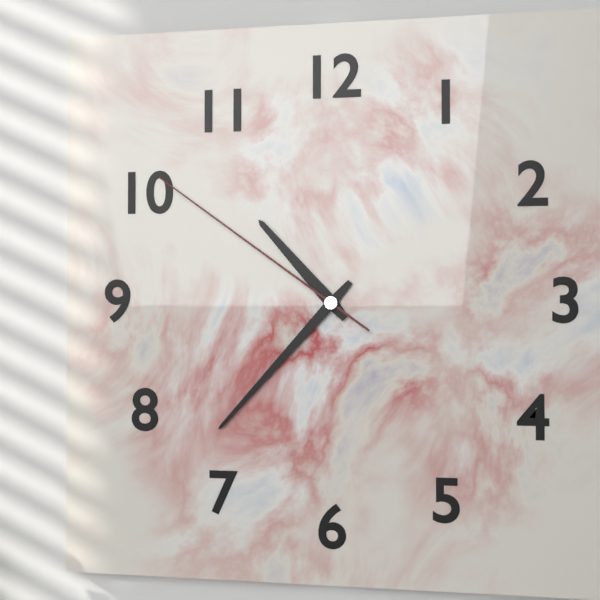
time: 10:37:51
